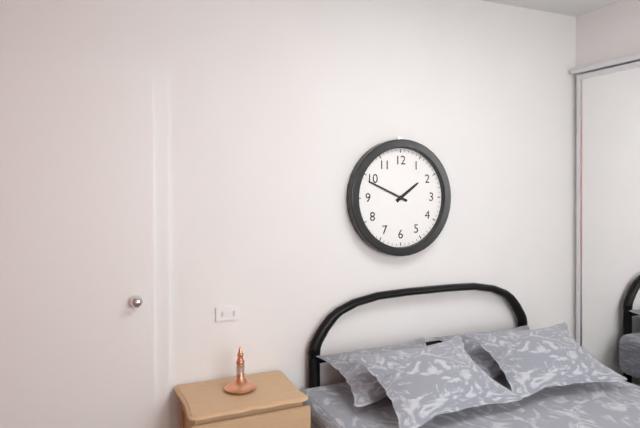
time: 1:49
